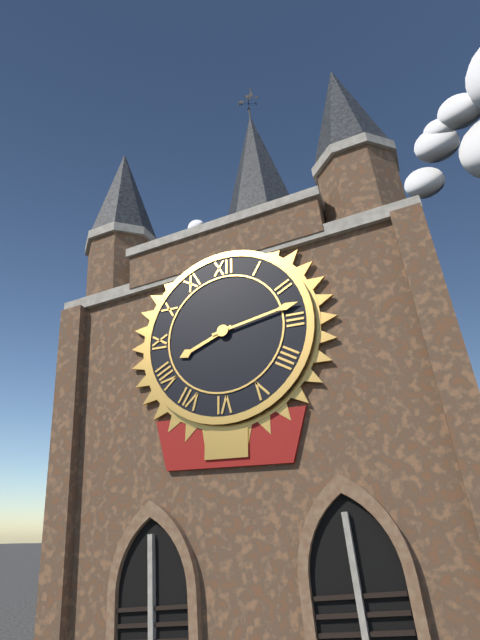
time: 8:13
